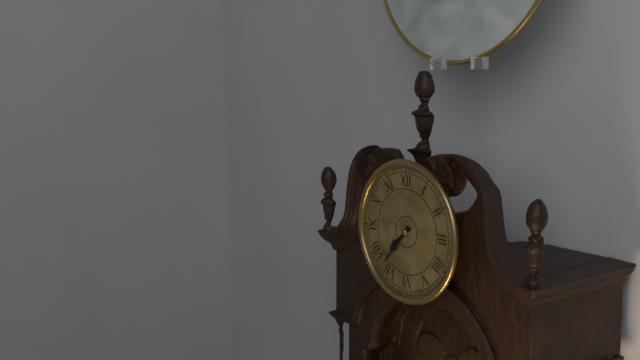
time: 7:37
